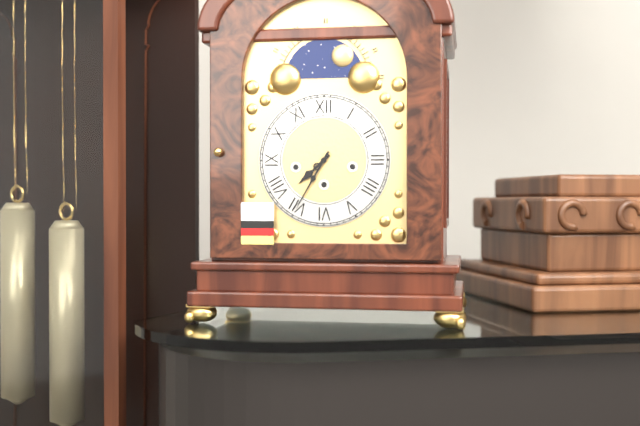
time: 7:35
